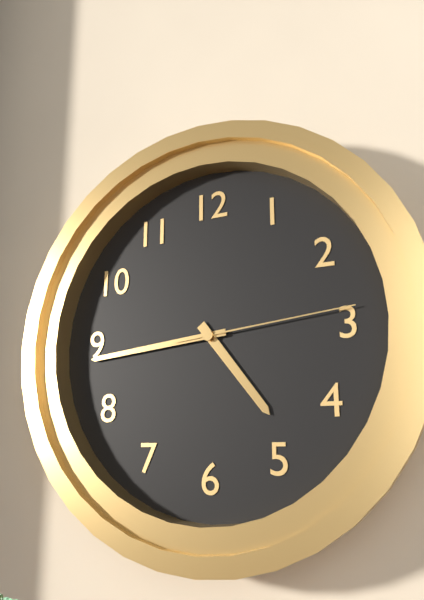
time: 4:44:14
